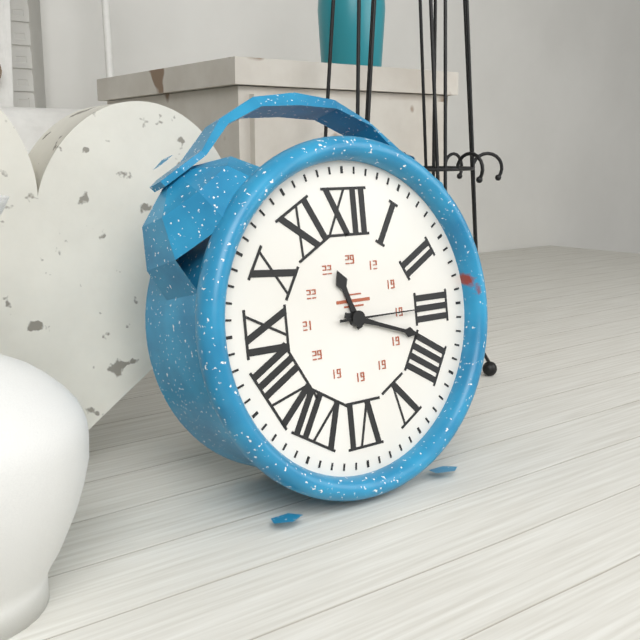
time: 11:18:15
